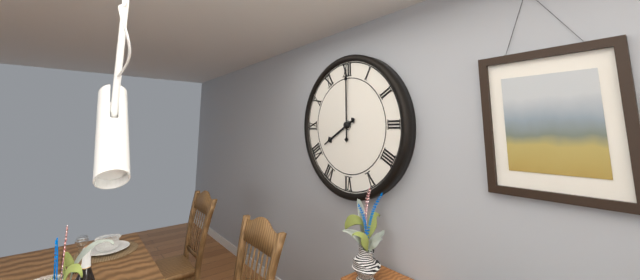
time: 8:00
